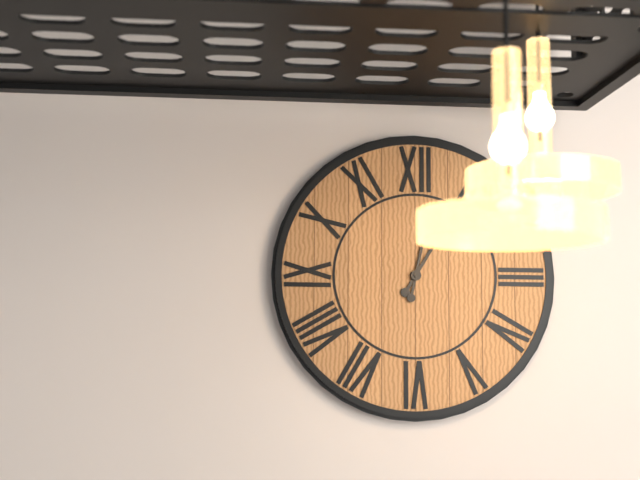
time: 1:02
